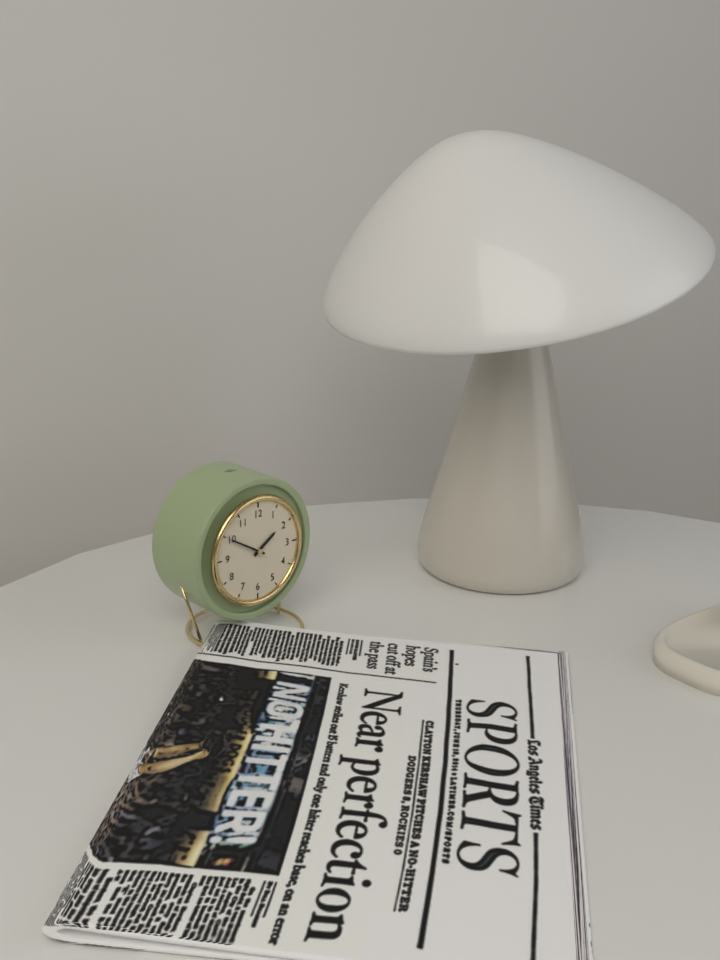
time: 1:50
